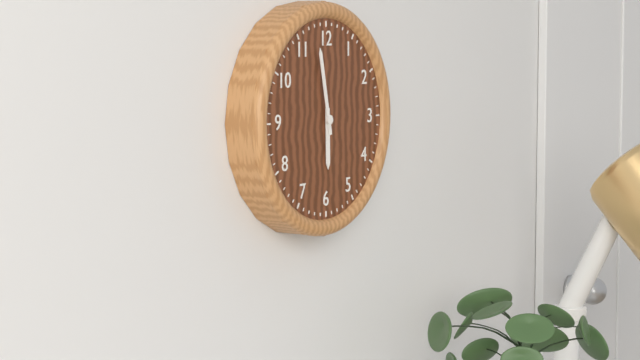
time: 5:58
